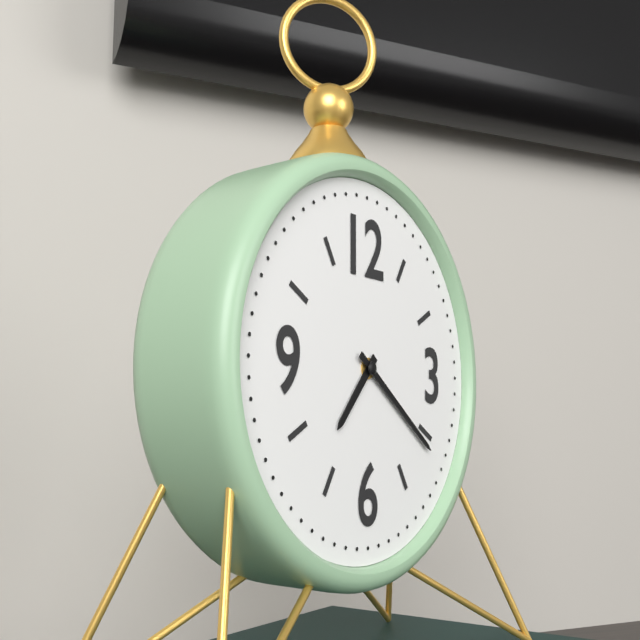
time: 7:21
